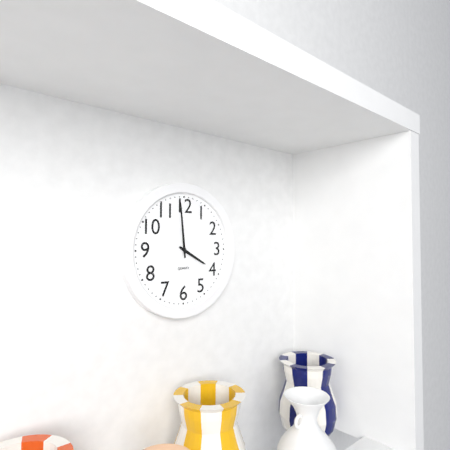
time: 3:59
